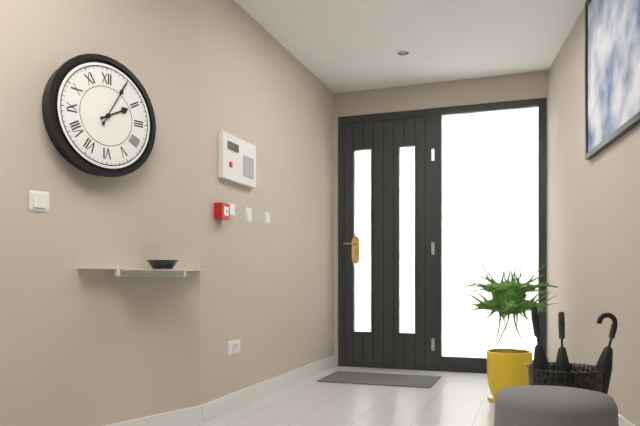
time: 2:05
